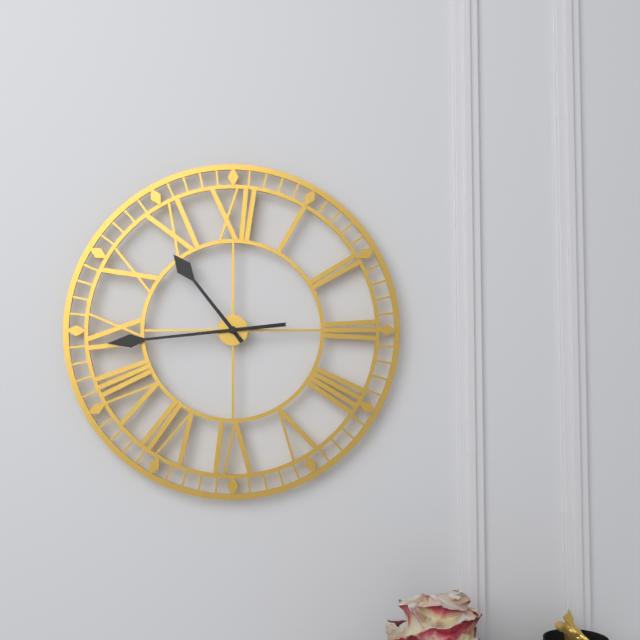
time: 10:44
